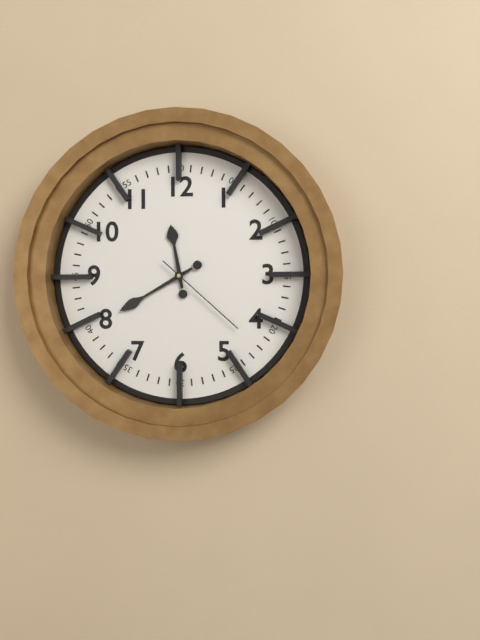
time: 11:40:22
